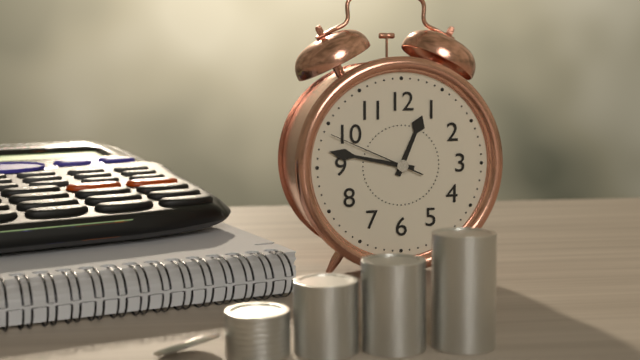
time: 12:47:49
